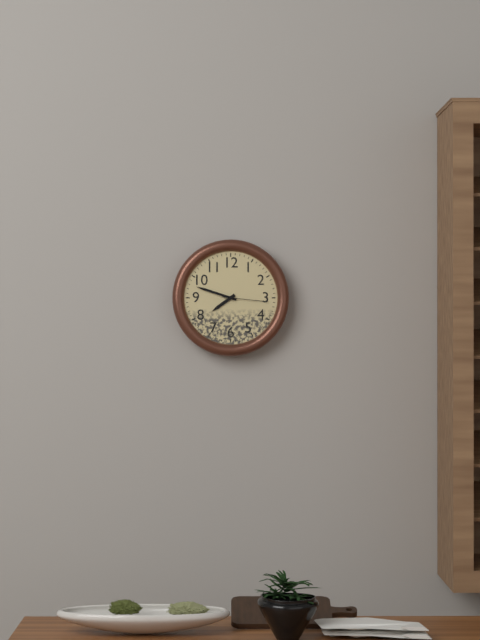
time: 7:48
